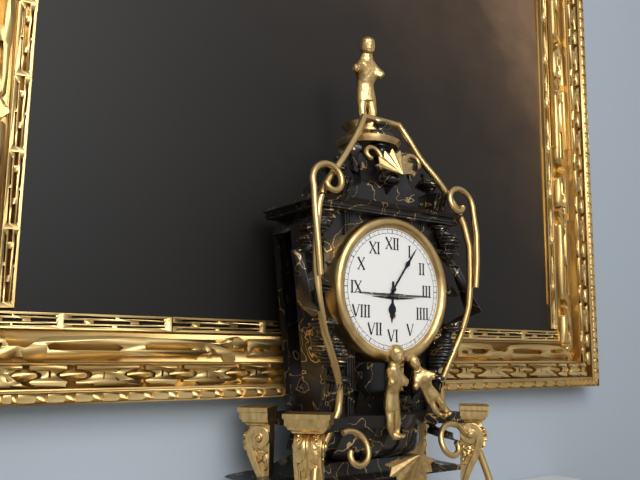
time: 6:06
